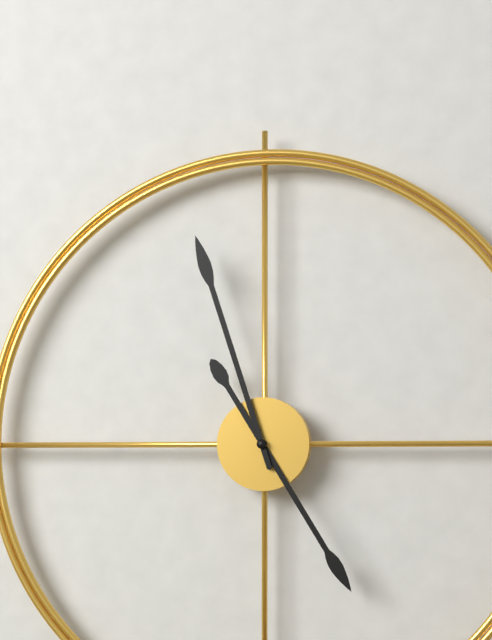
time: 4:57
